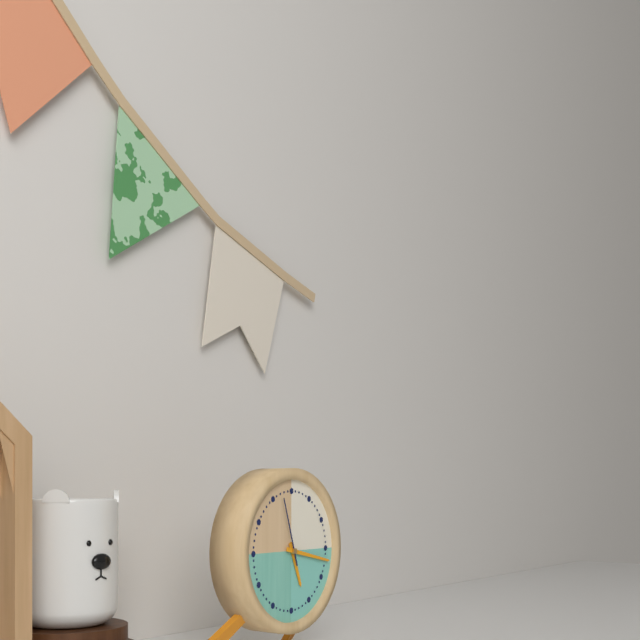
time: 5:17:57
